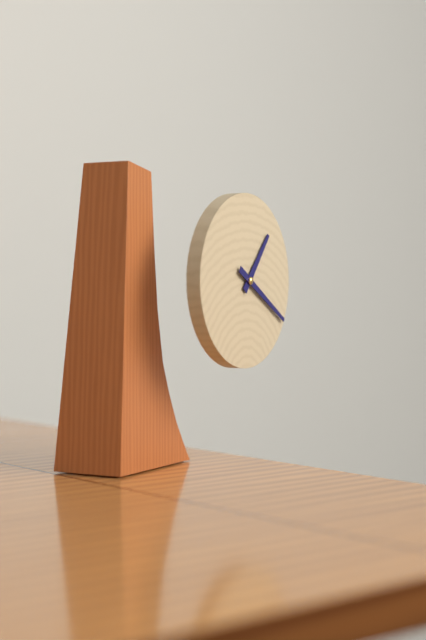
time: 1:20
